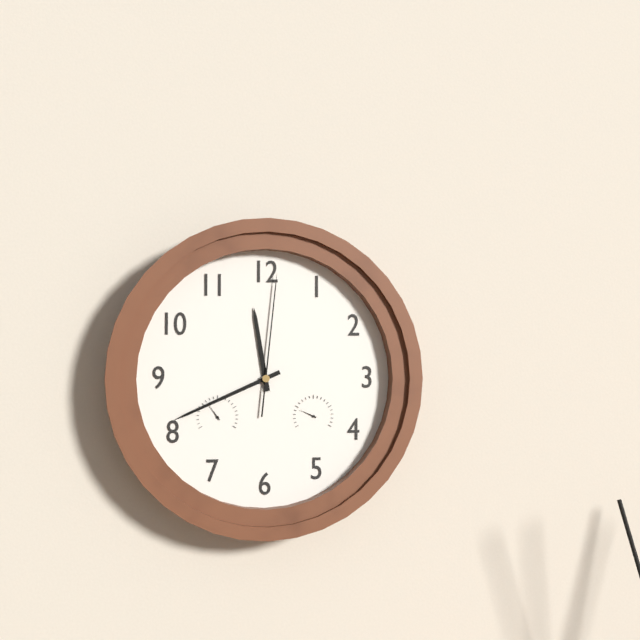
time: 11:41:01
